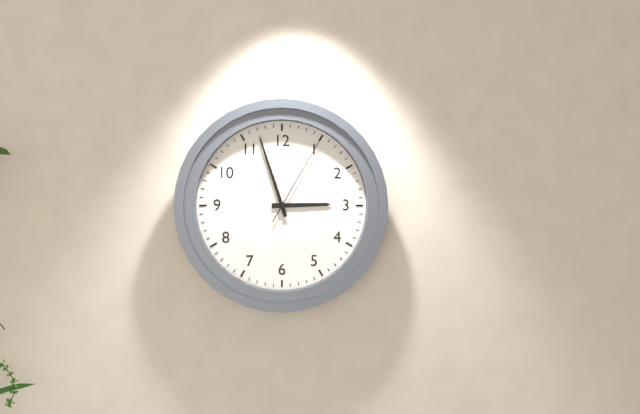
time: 2:57:05
